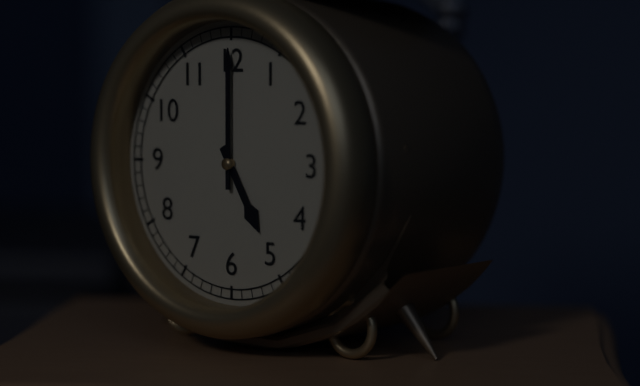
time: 5:00
